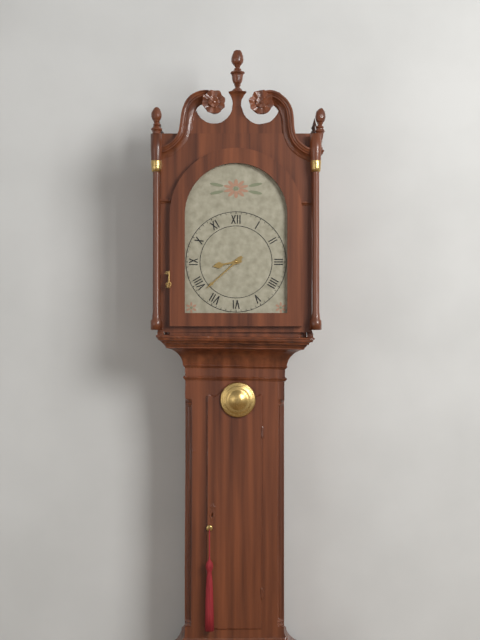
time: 8:38
